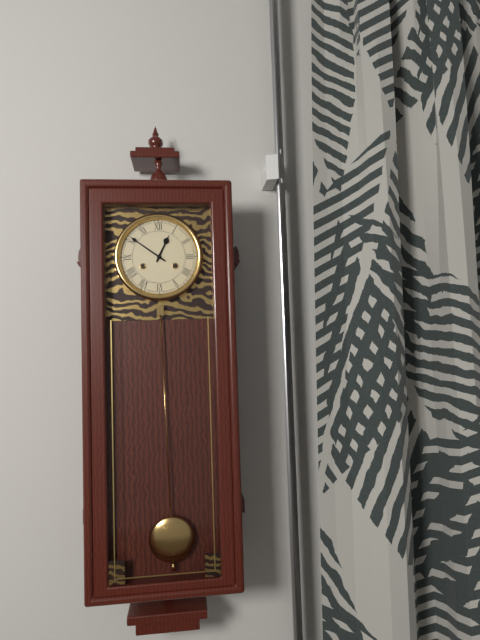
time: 12:51
